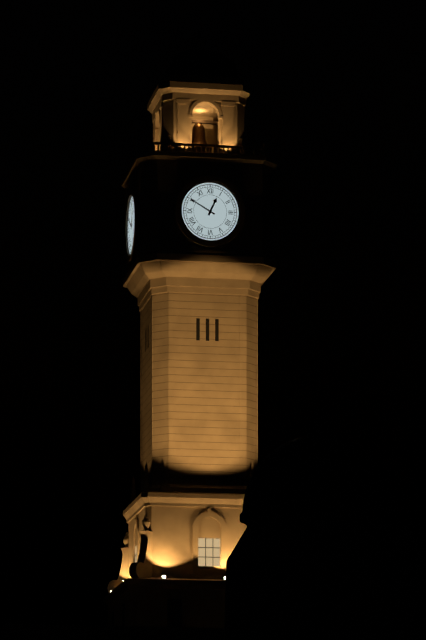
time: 12:50
